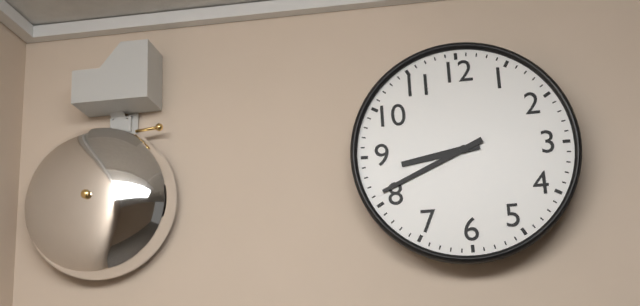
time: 8:41
